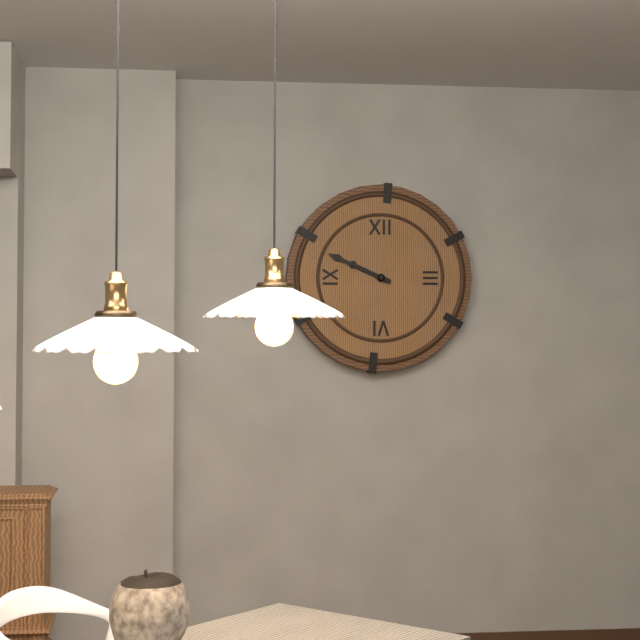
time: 9:49
